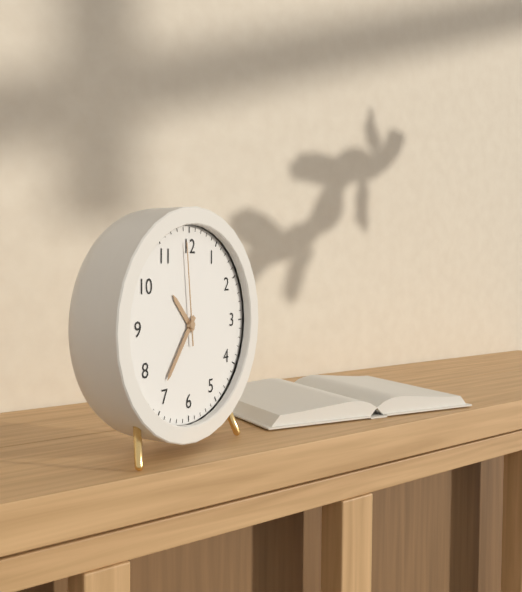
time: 10:36:59
